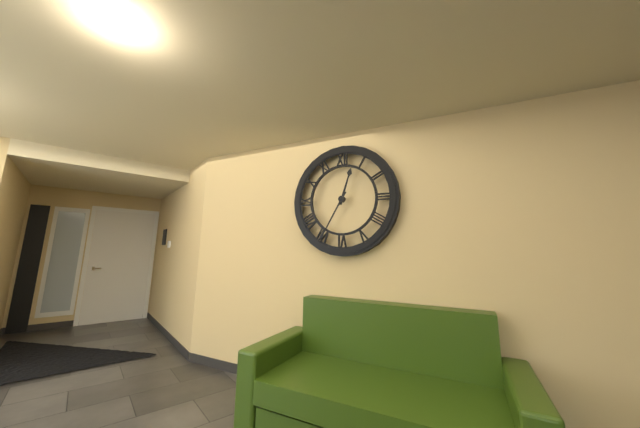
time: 12:35
